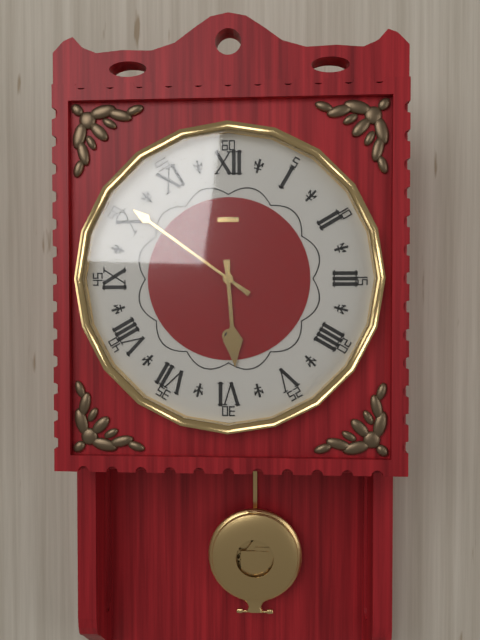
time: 5:51
